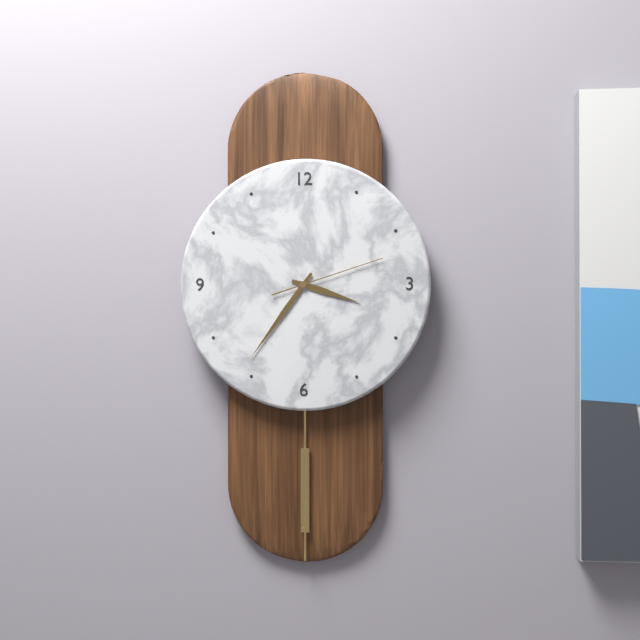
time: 3:36:12
